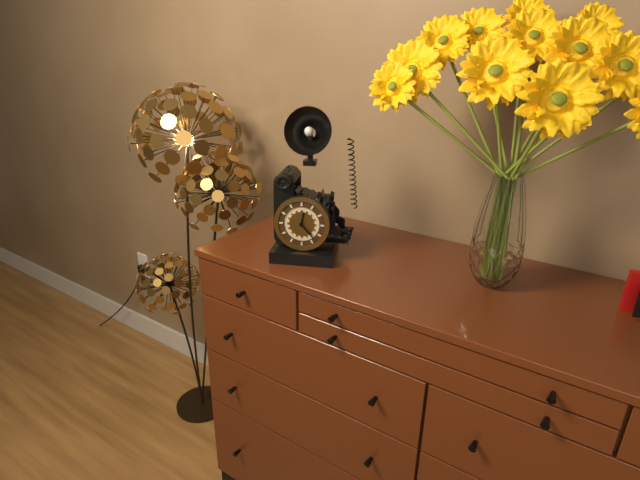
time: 12:23
